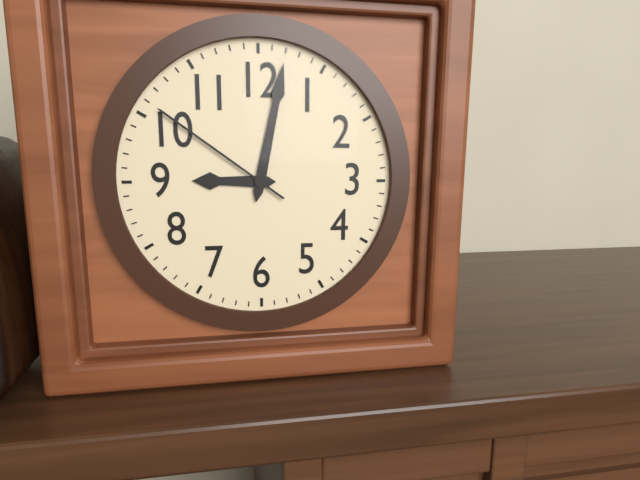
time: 9:02:51
